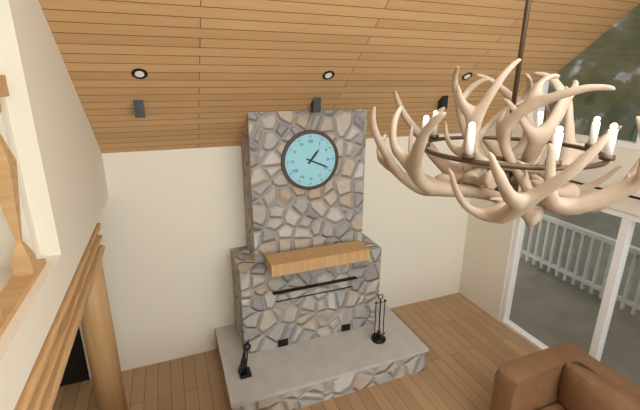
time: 1:19
